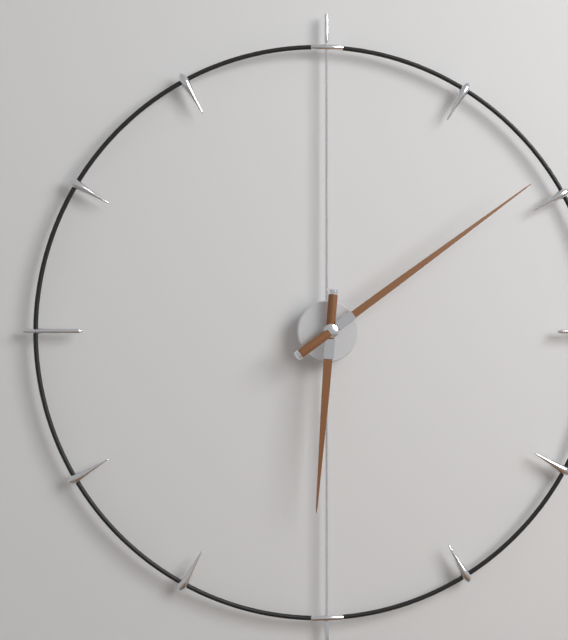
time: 6:09
